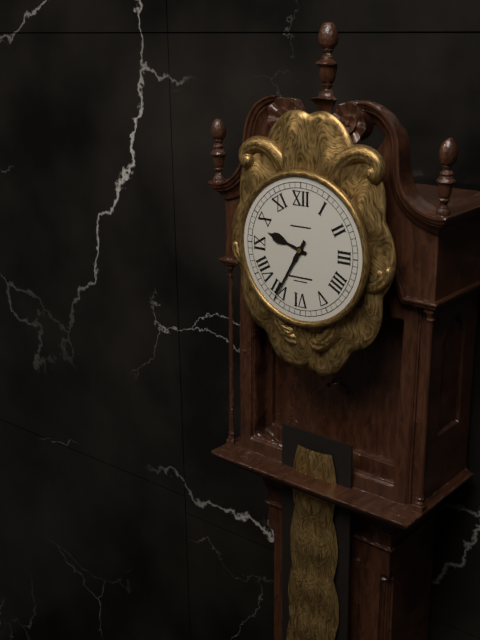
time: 9:35
